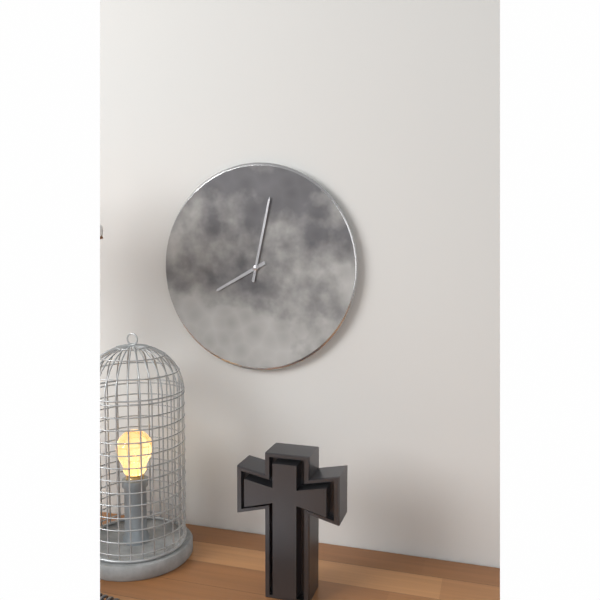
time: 8:02
